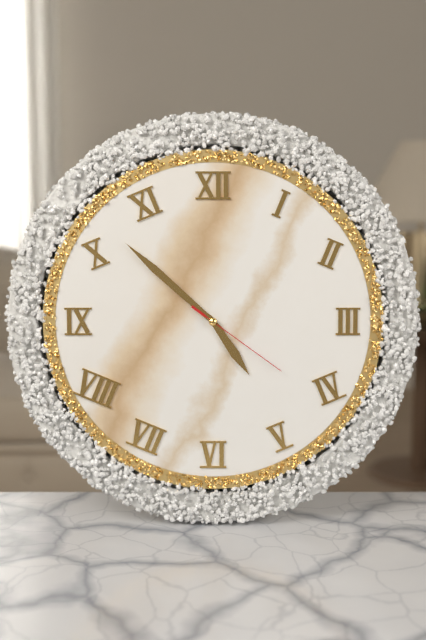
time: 4:52:21
